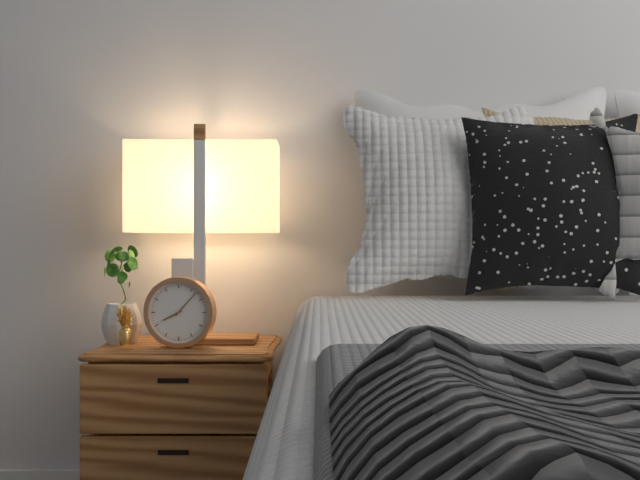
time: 8:07
